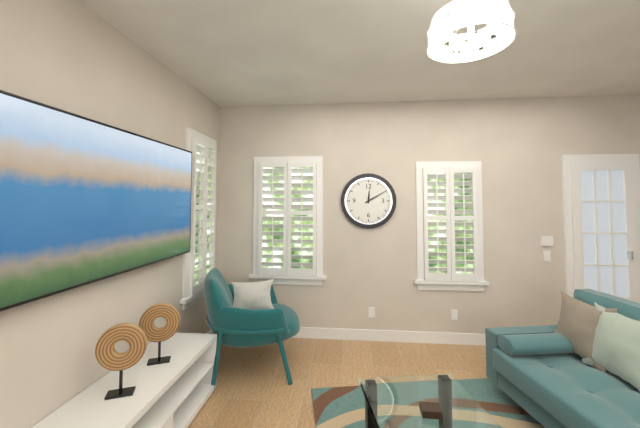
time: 12:10
